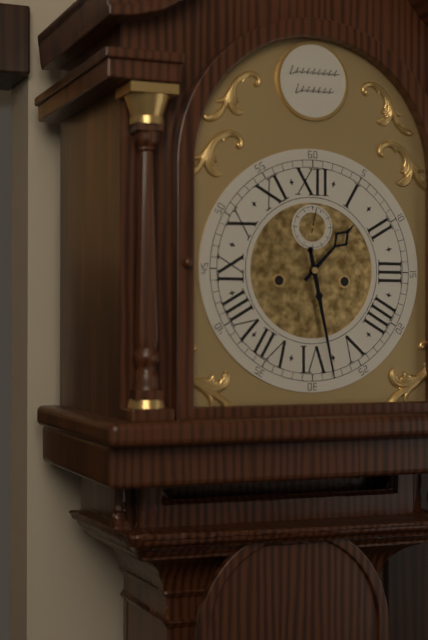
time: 1:28:02
